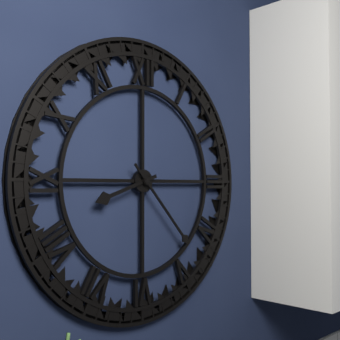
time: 8:23
